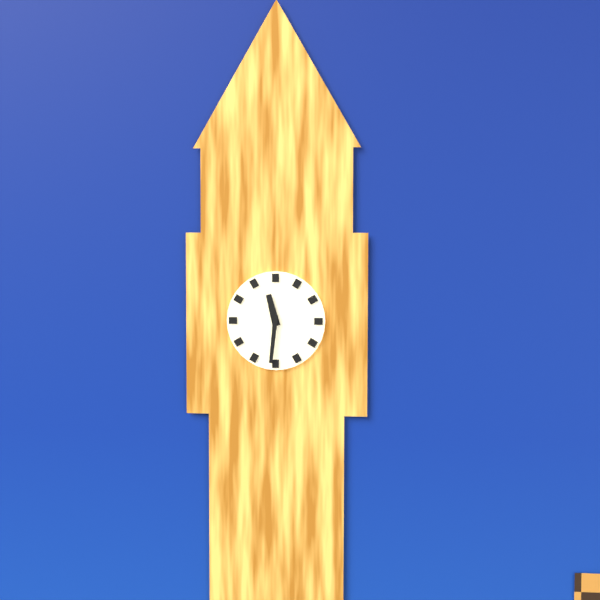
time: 11:31
